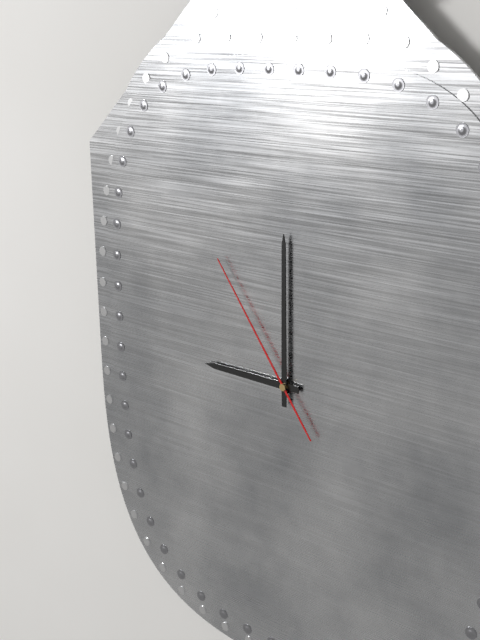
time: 9:00:54
